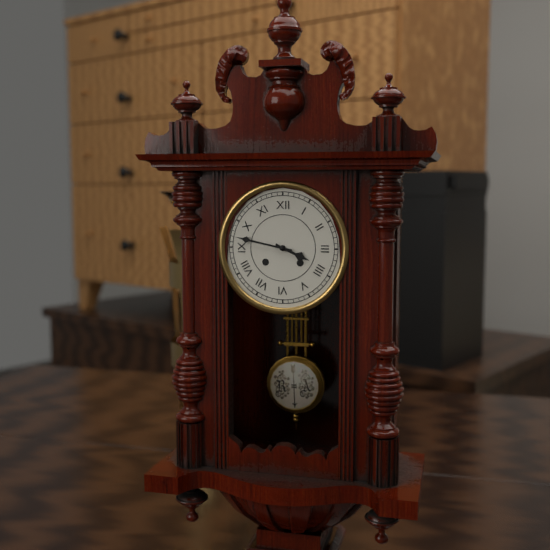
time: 3:47
